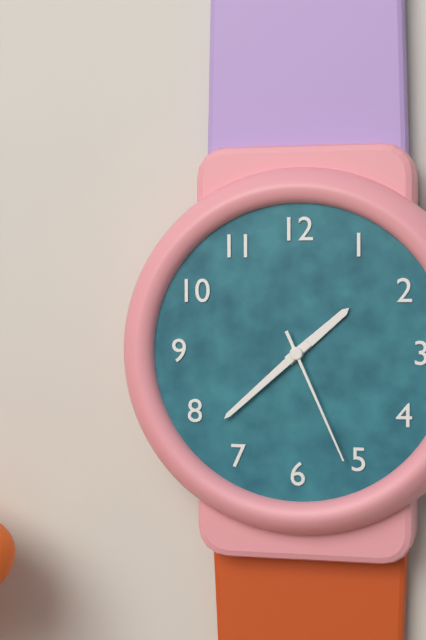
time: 1:38:26
